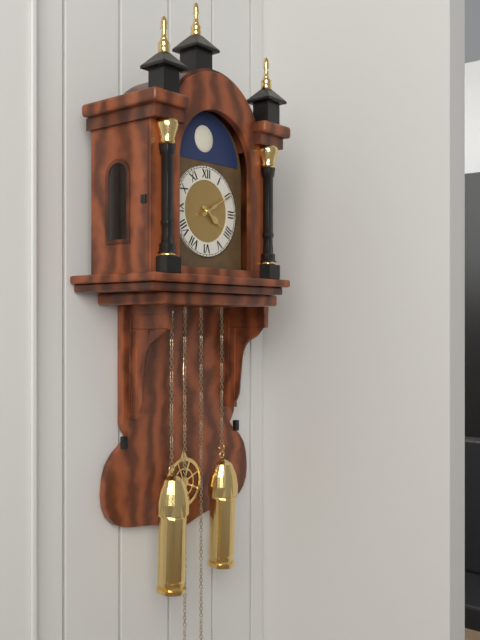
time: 4:10
